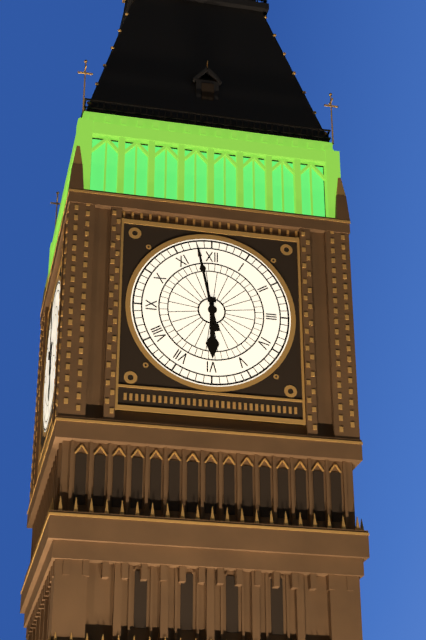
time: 5:58
